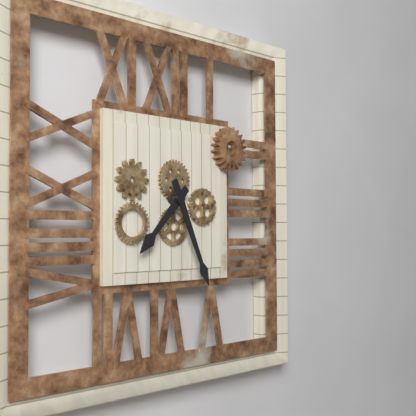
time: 7:26
